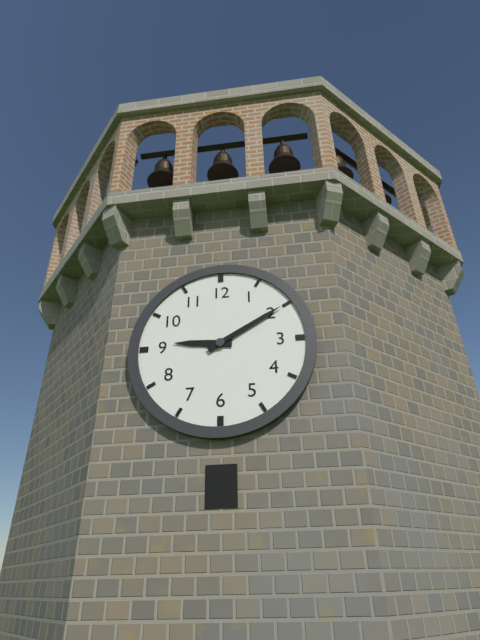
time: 9:10
